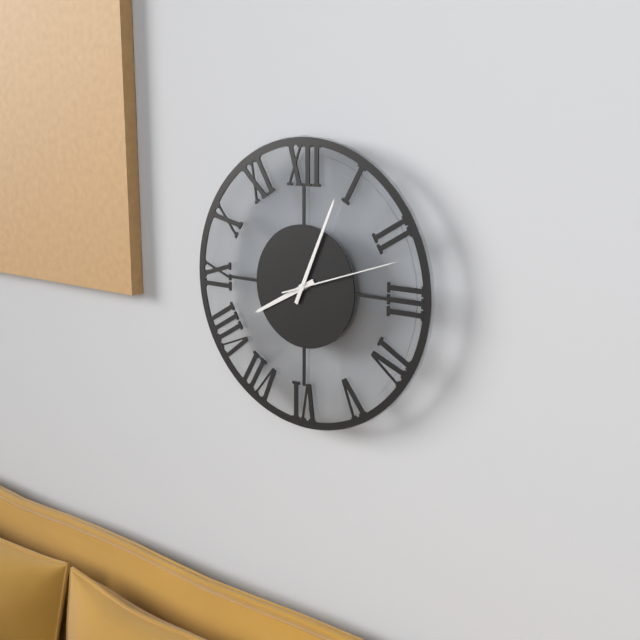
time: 8:04:12
